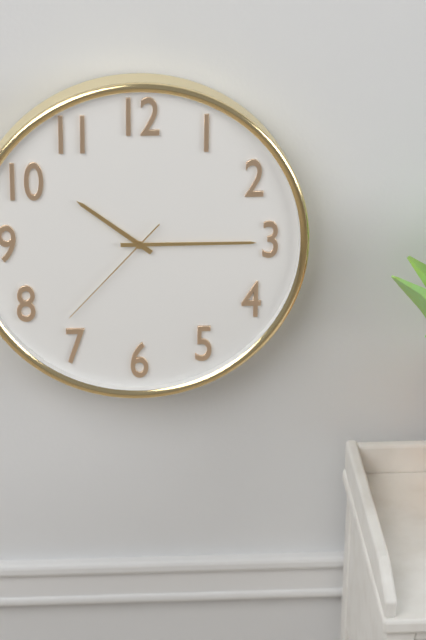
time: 10:15:37
